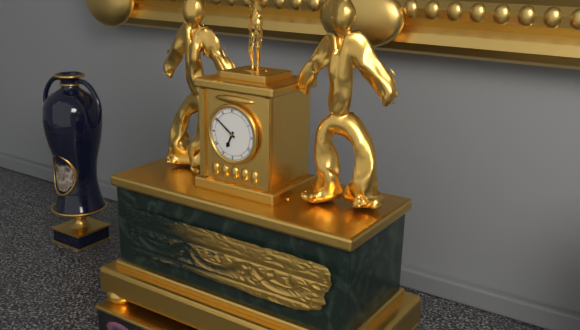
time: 6:51
